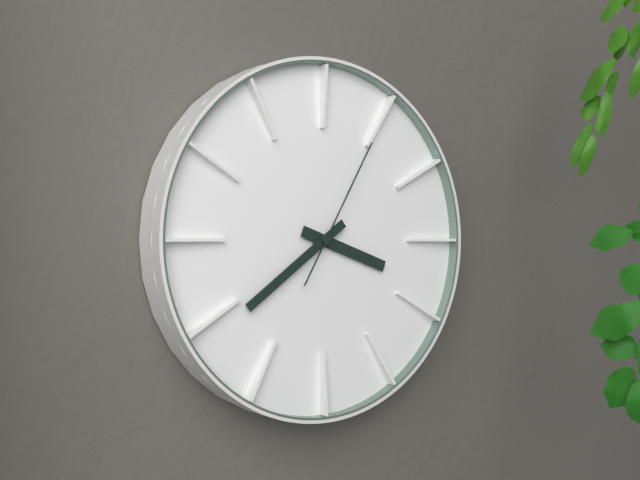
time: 3:39:05
